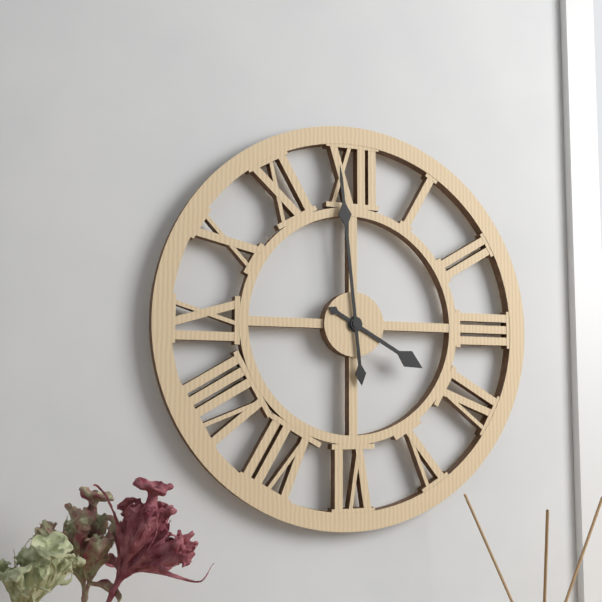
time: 3:59
